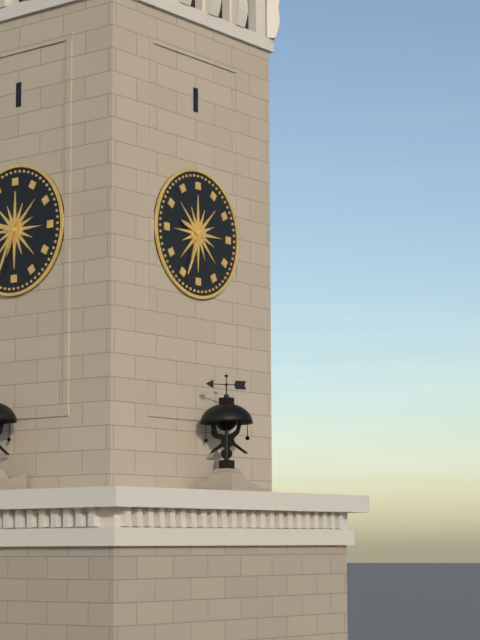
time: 9:34
